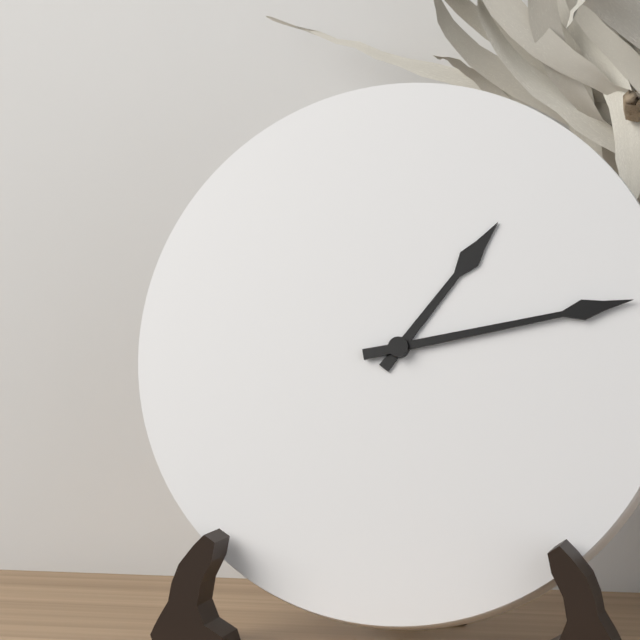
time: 1:13
